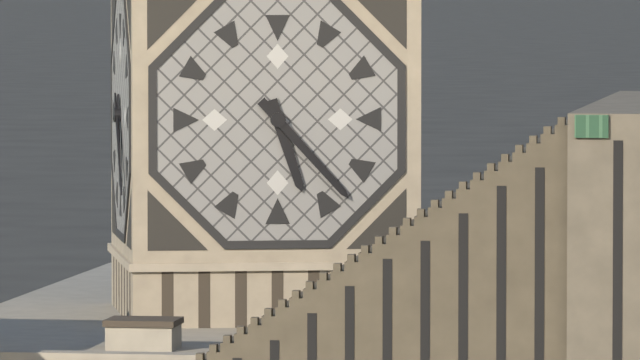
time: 5:23
